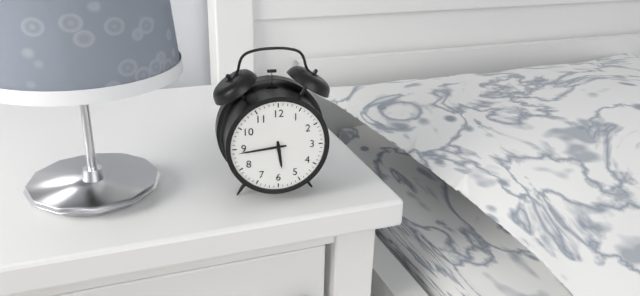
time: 5:44
